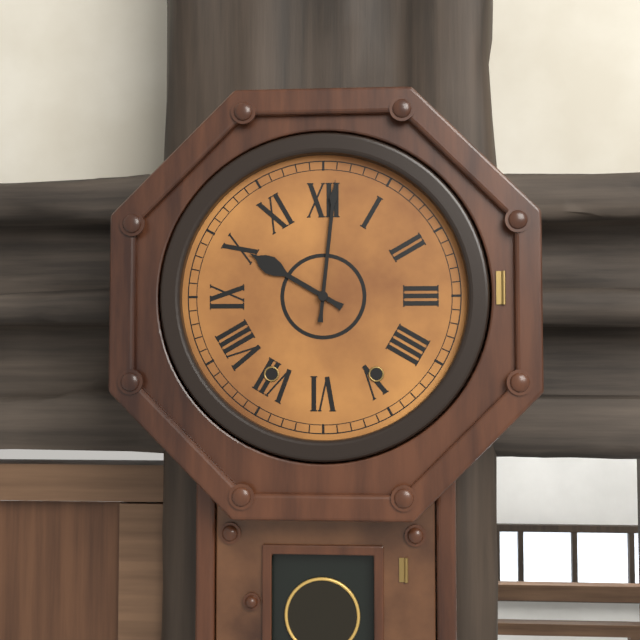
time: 10:01
